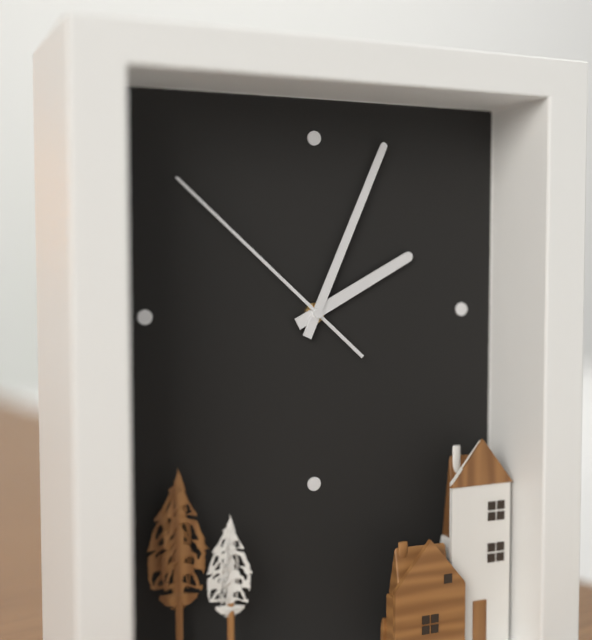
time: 2:04:52
